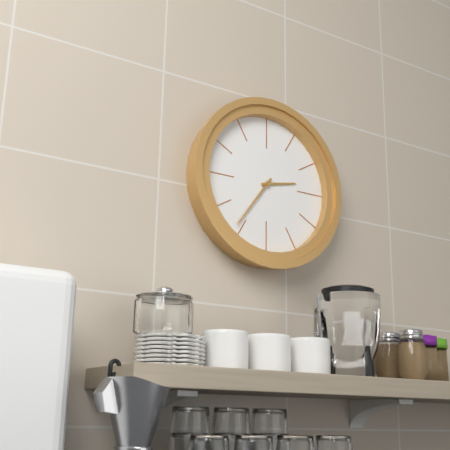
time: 2:36
